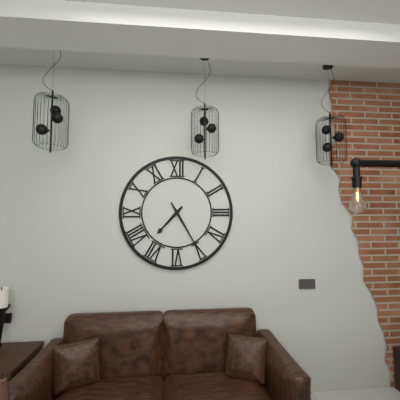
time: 7:25
